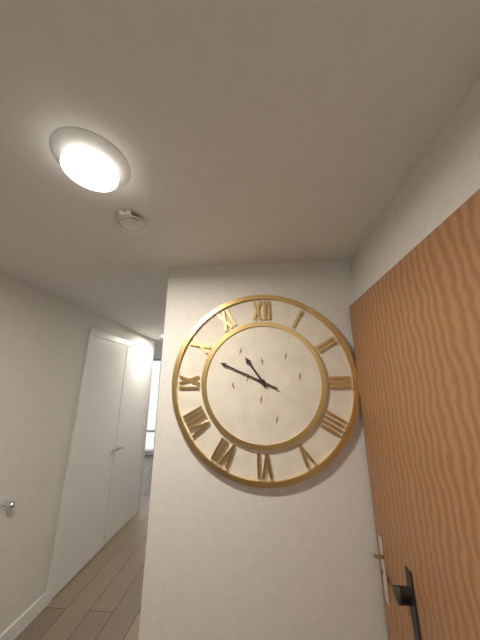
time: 10:49
